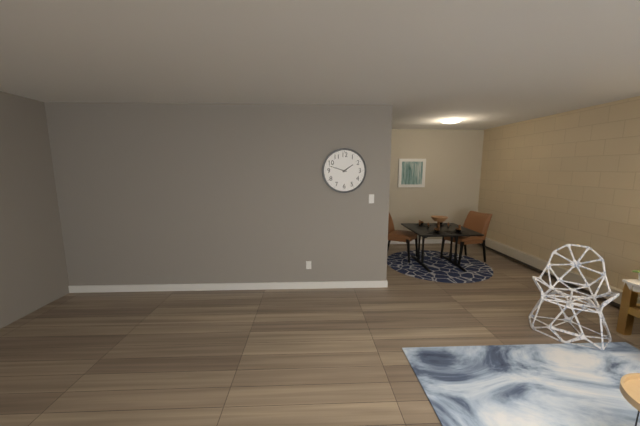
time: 1:48
